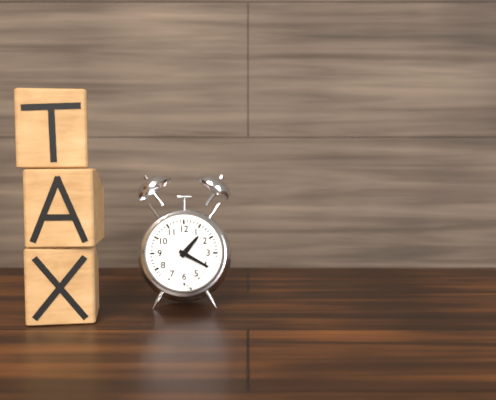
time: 1:20
